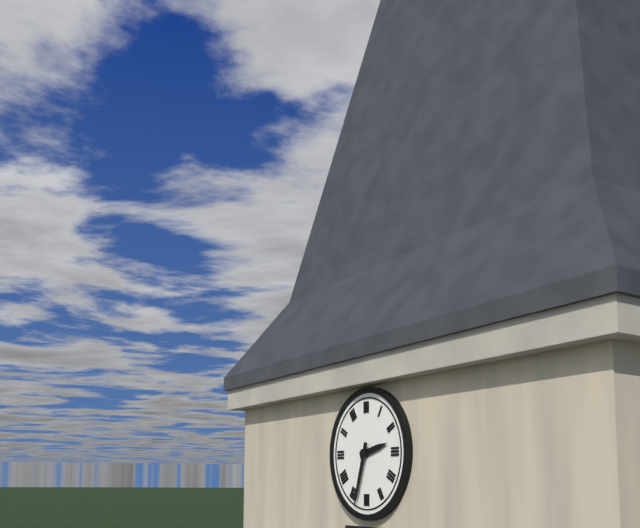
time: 2:33
